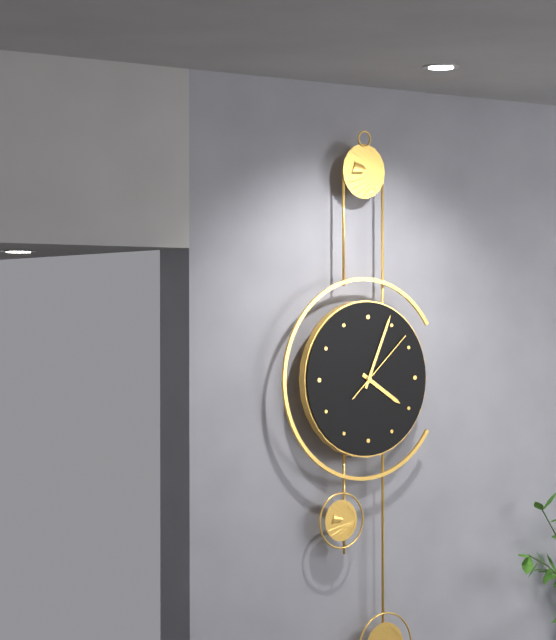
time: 4:04:08
